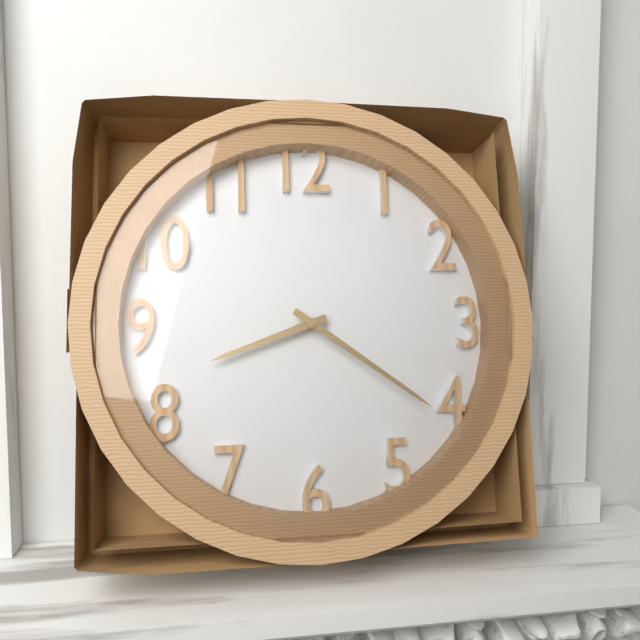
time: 8:21
